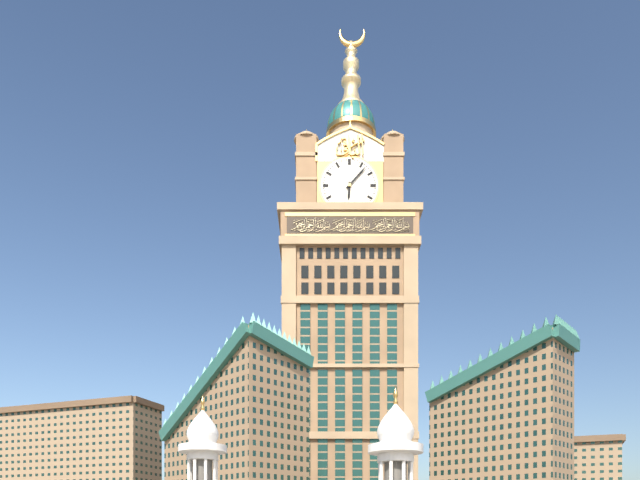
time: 6:07
